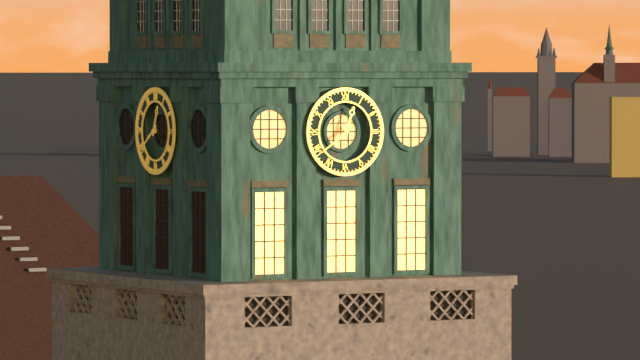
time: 12:39
